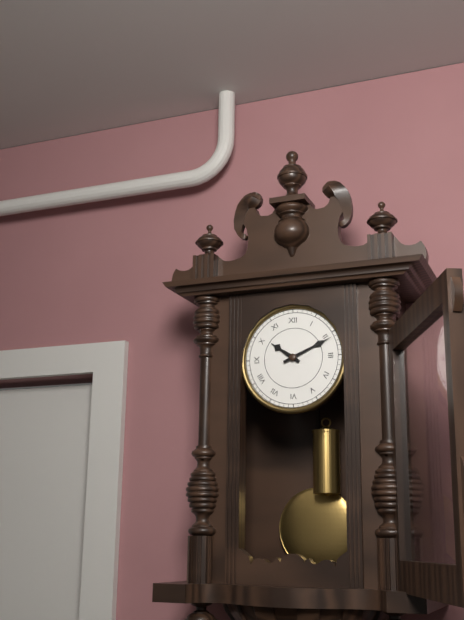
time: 10:11
